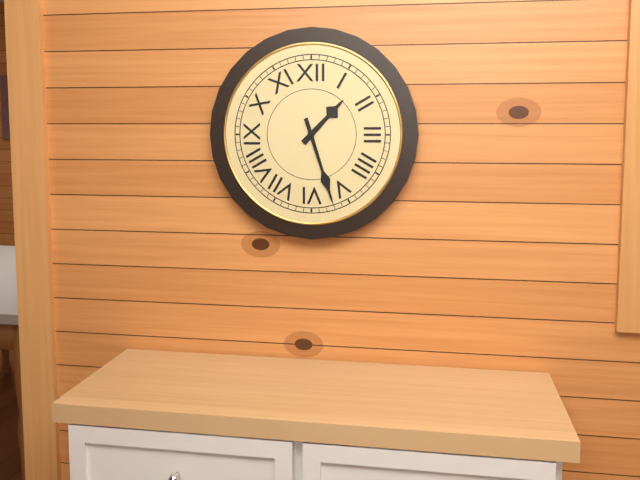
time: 1:27
